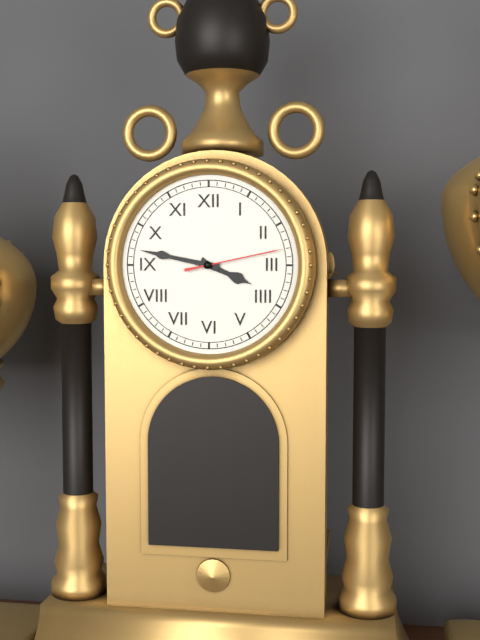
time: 3:47:13
